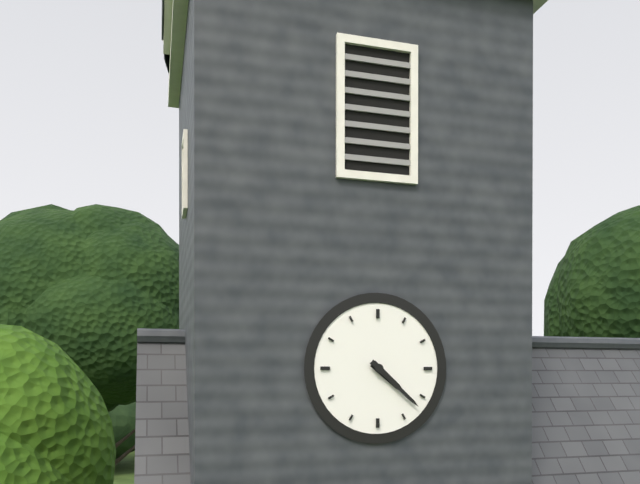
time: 4:22
